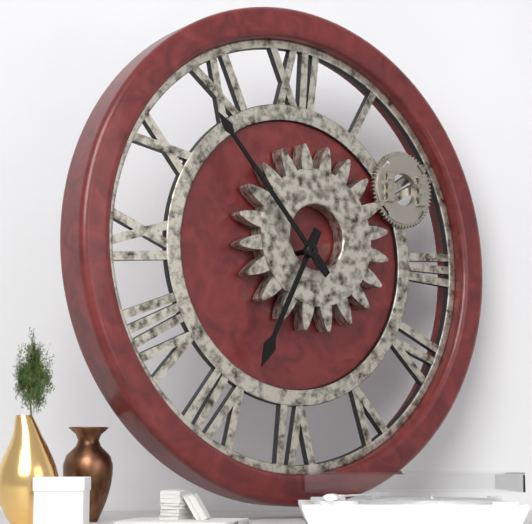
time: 6:53
